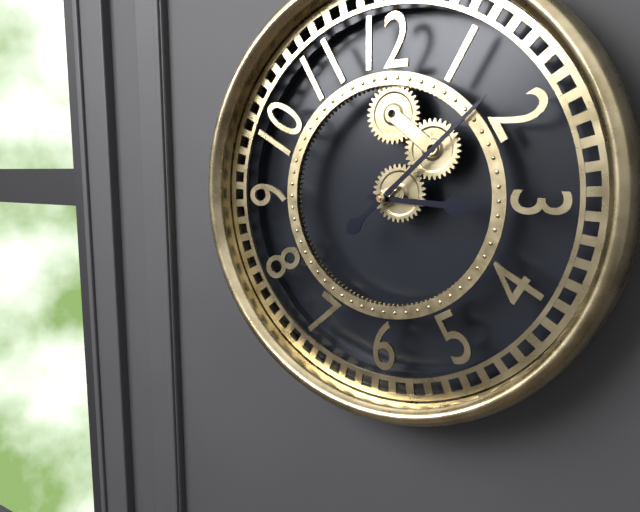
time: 3:08
